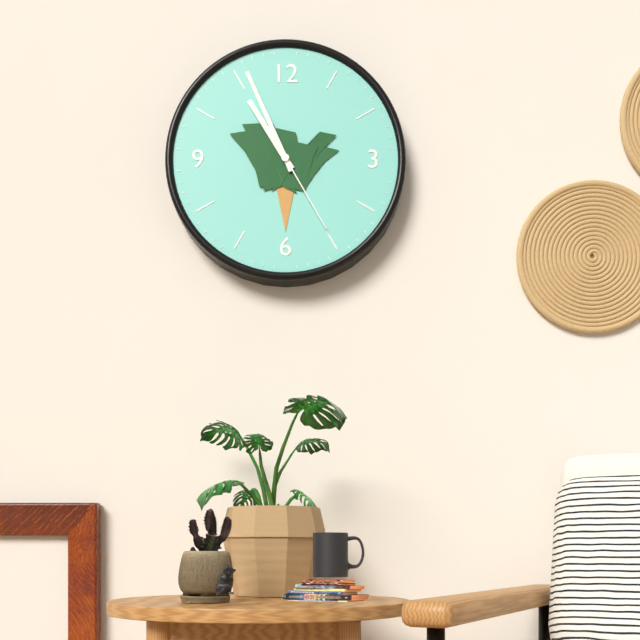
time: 10:56:25
